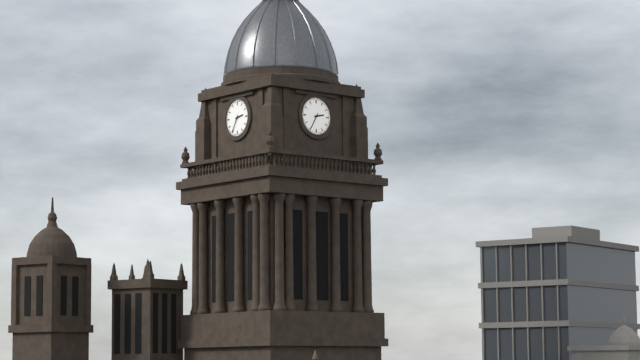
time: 2:35
